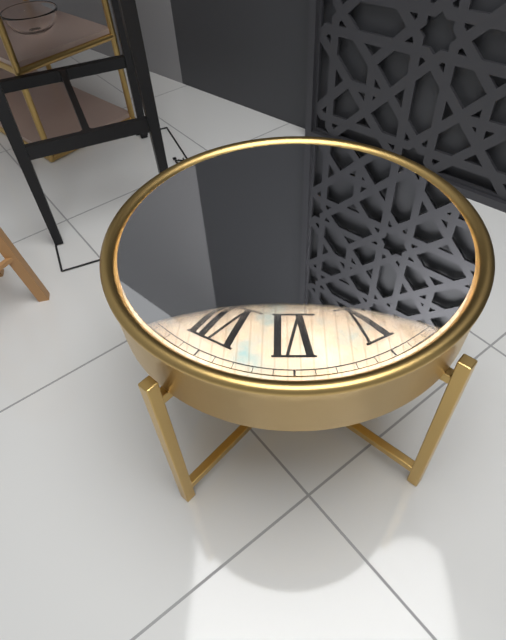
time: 7:38
